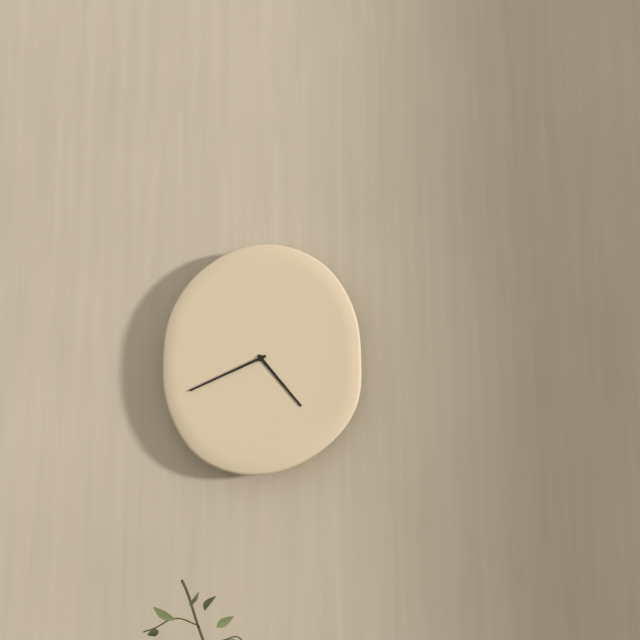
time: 4:41
